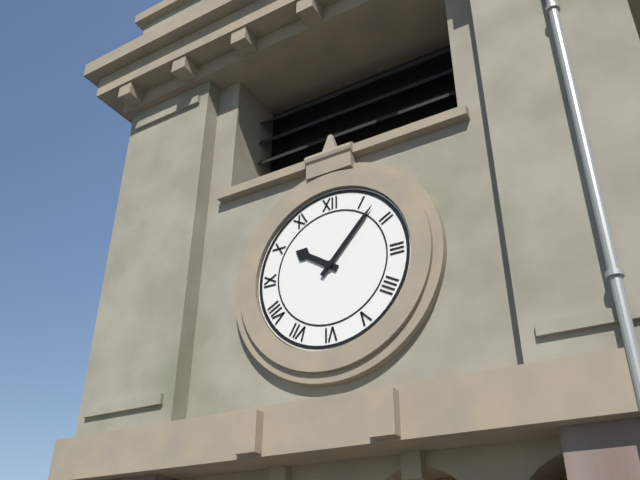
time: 10:07
